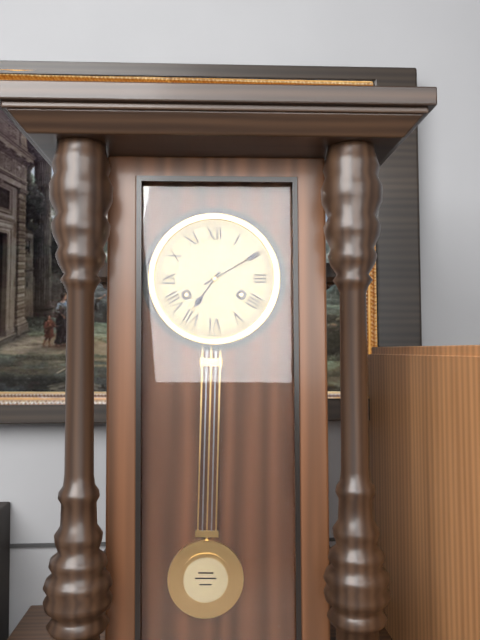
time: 7:10
